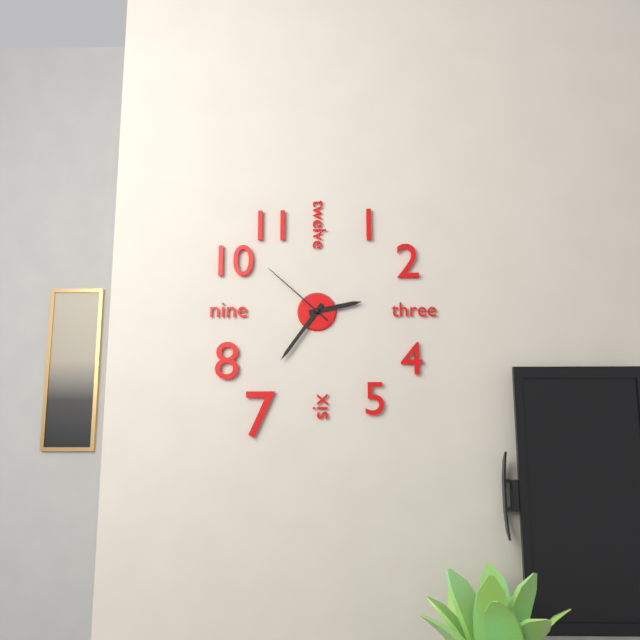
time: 2:36:52
